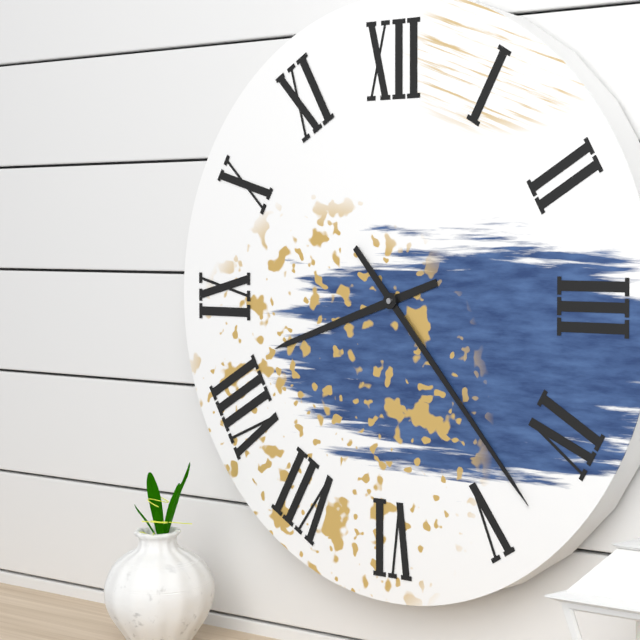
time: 8:23
